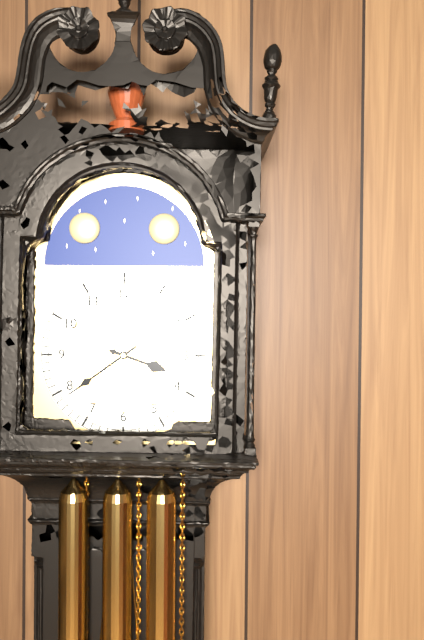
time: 3:39
